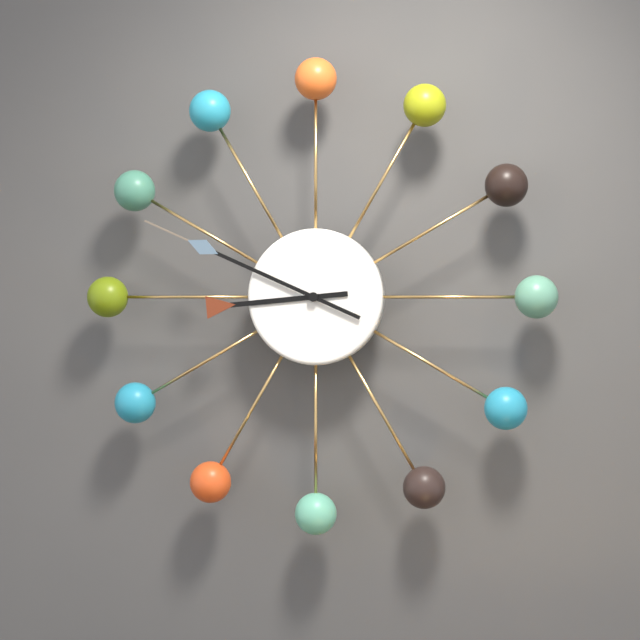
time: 8:49
